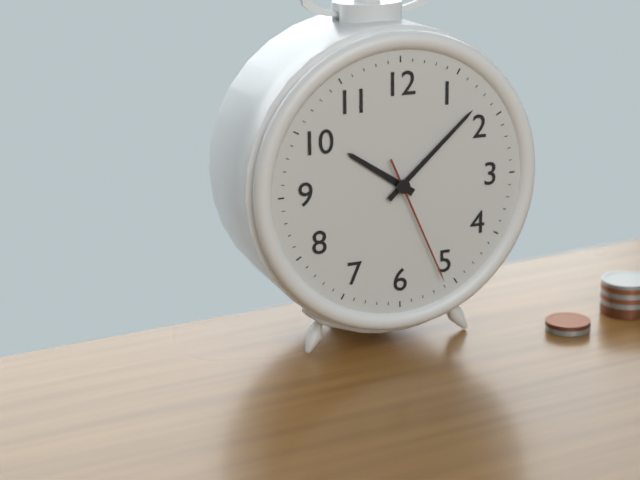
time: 10:08:26
